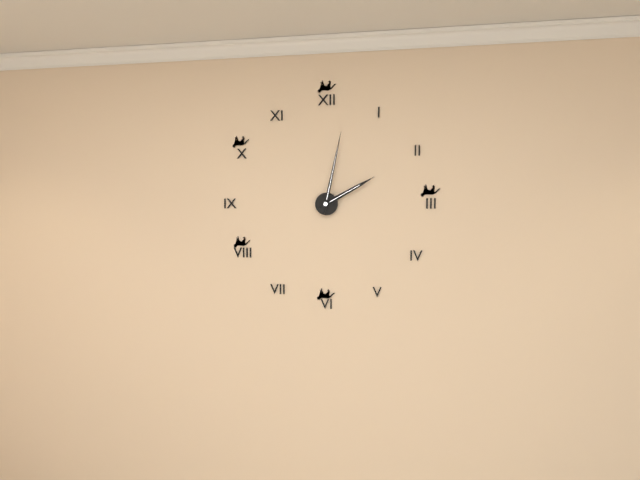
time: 2:02
